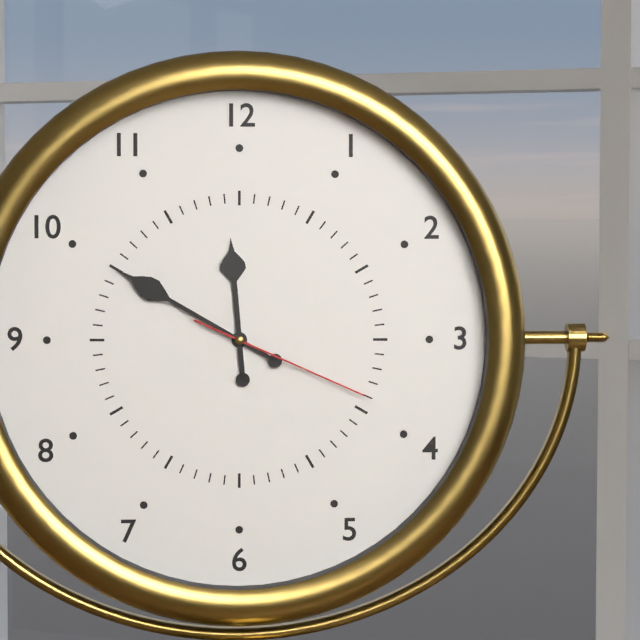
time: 11:50:19
